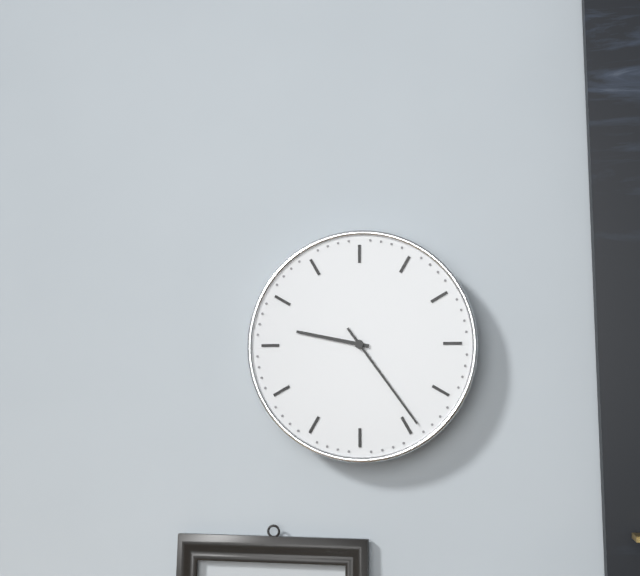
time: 9:24
